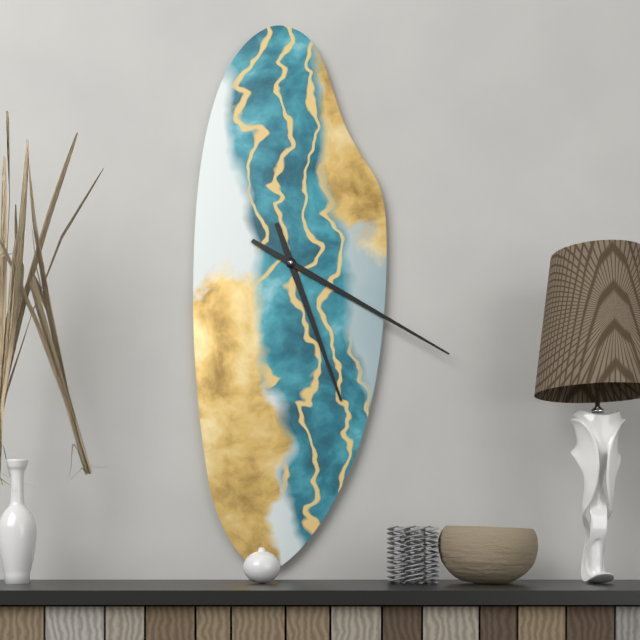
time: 5:20
